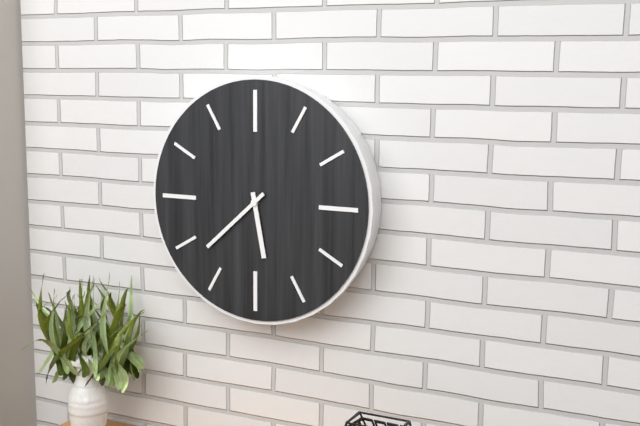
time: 5:38
